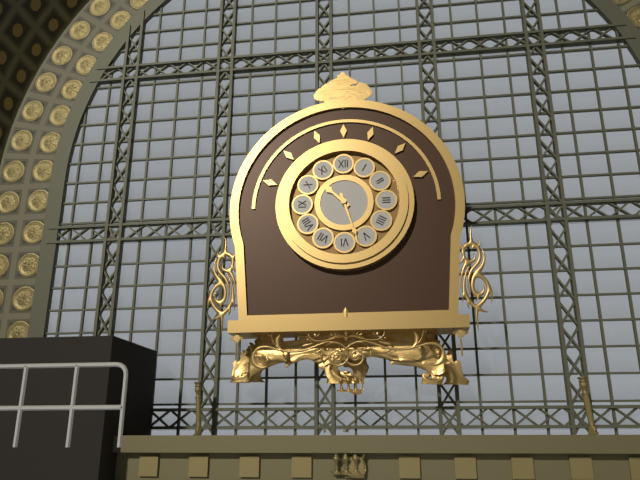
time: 10:27
